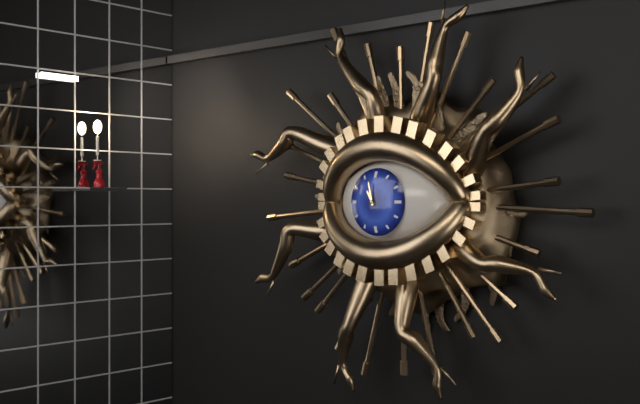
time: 10:58
